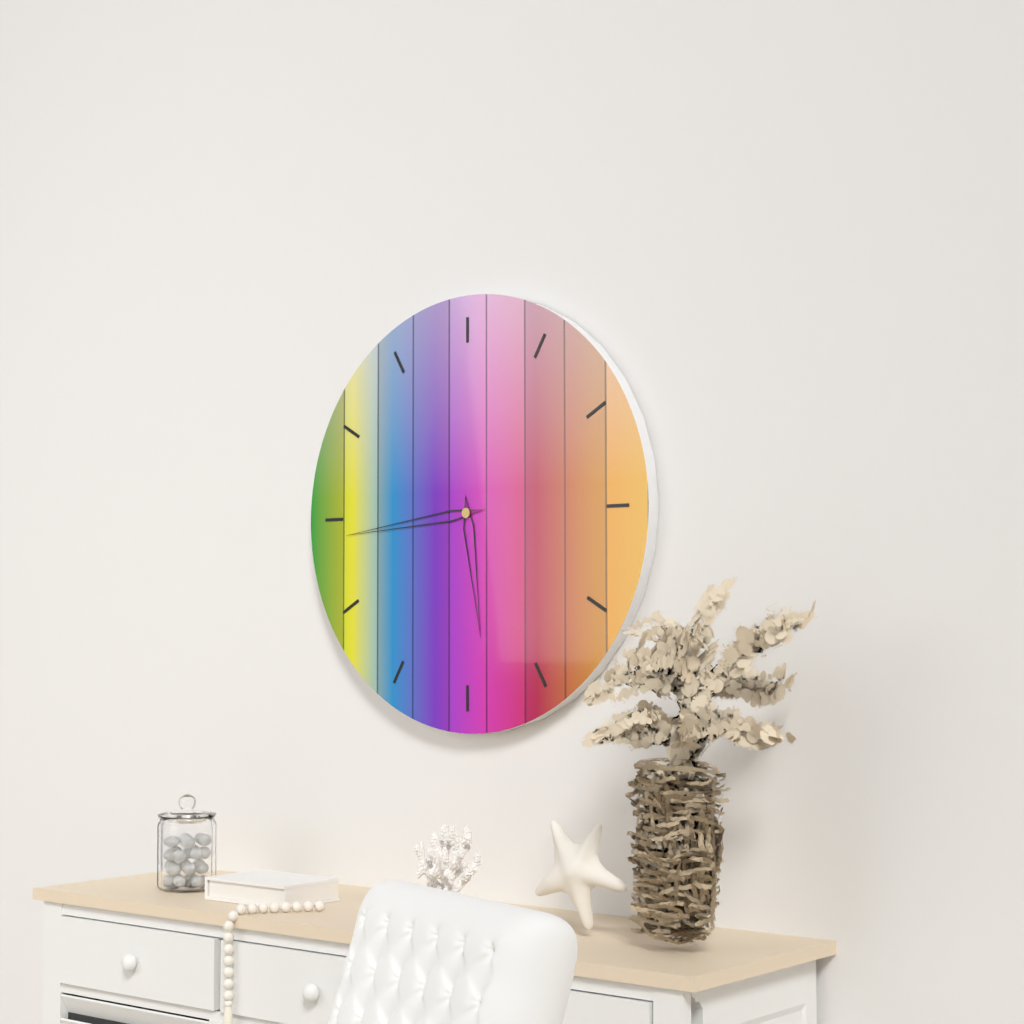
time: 5:44
